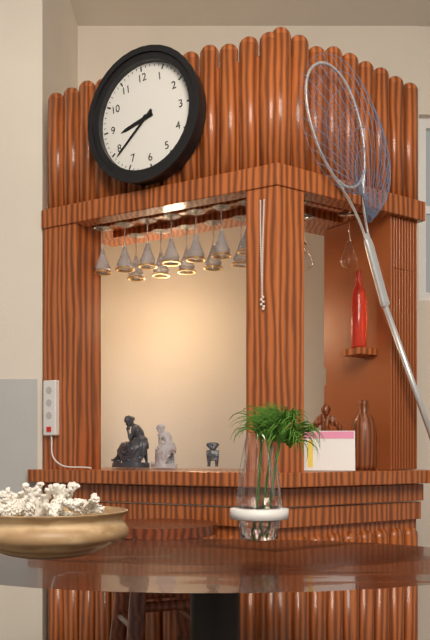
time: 8:39
